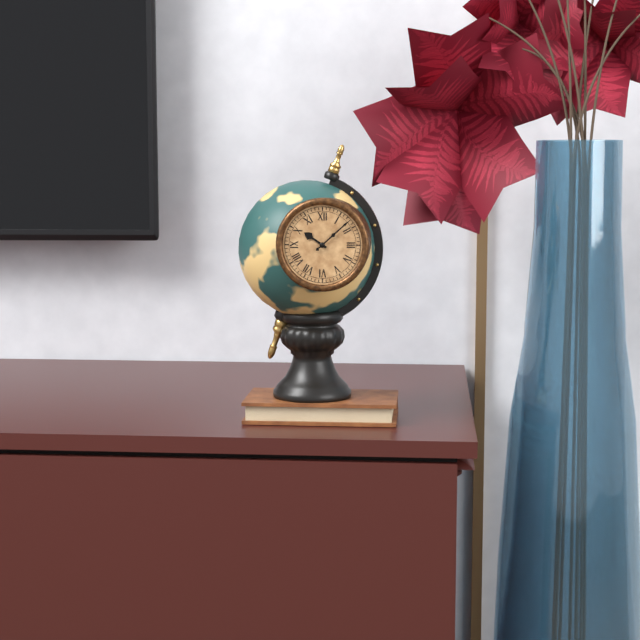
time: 10:08
